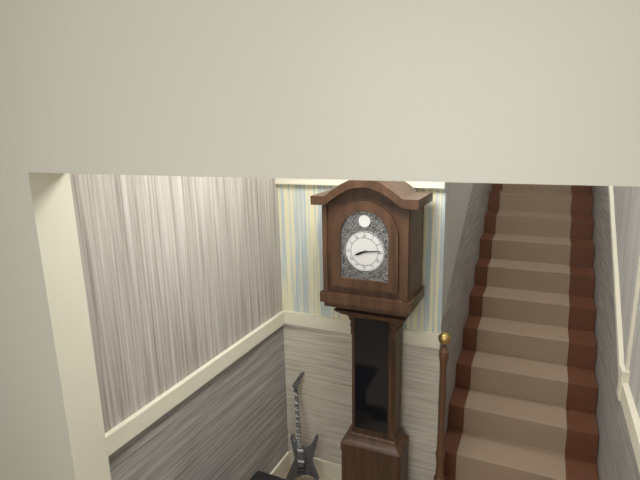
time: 8:14
